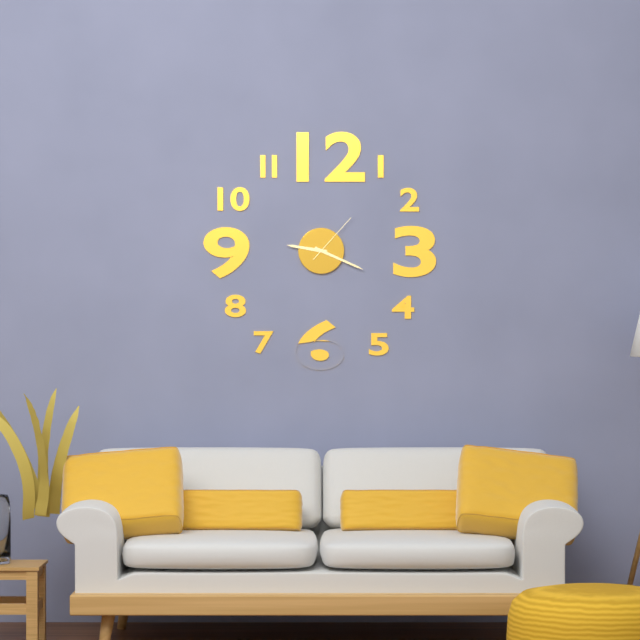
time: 9:19:07
